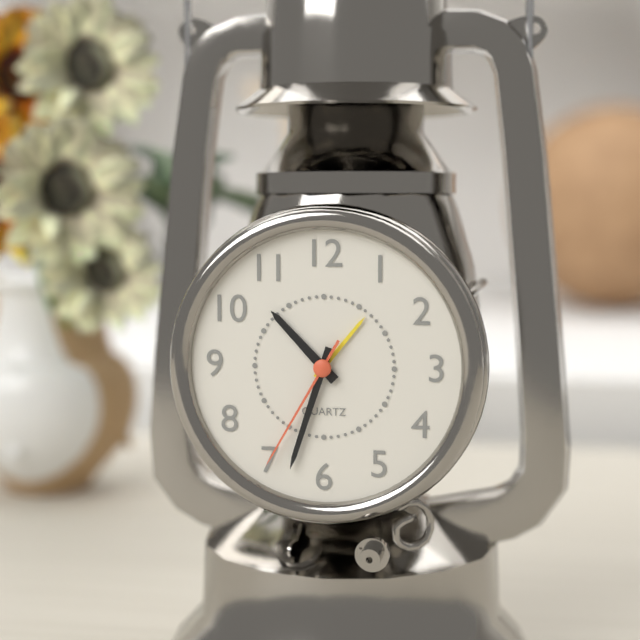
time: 10:33:35
